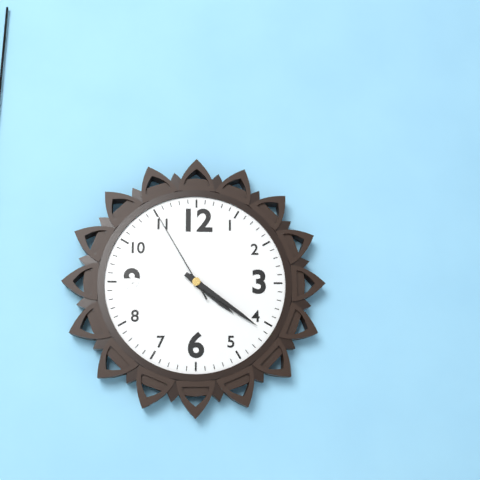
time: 4:21:55
